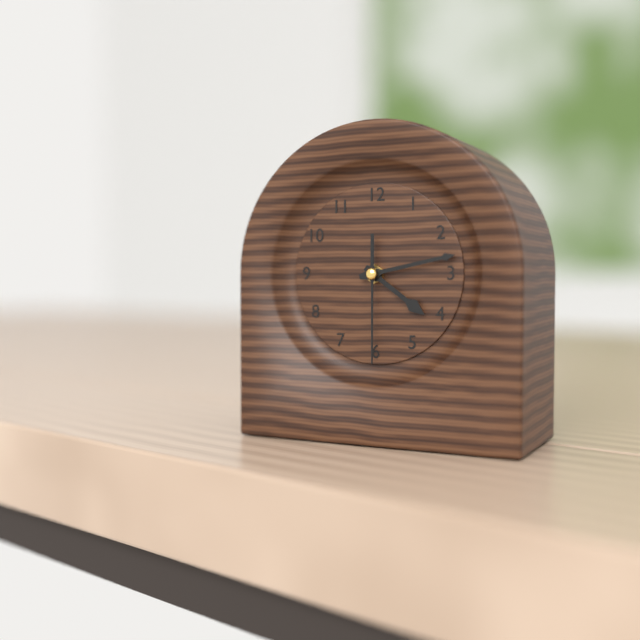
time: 4:13:30
